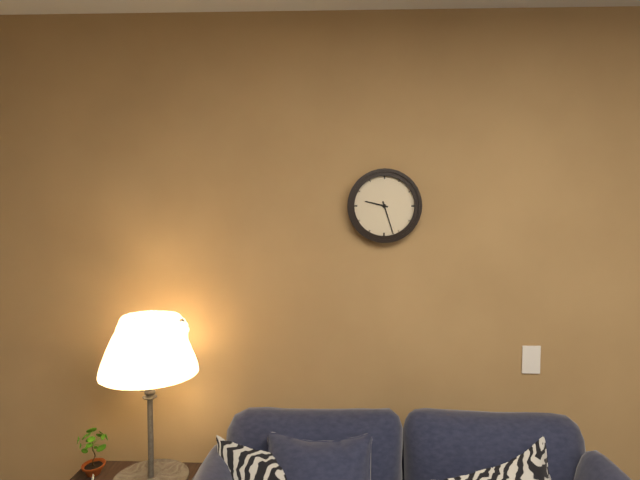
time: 9:27
